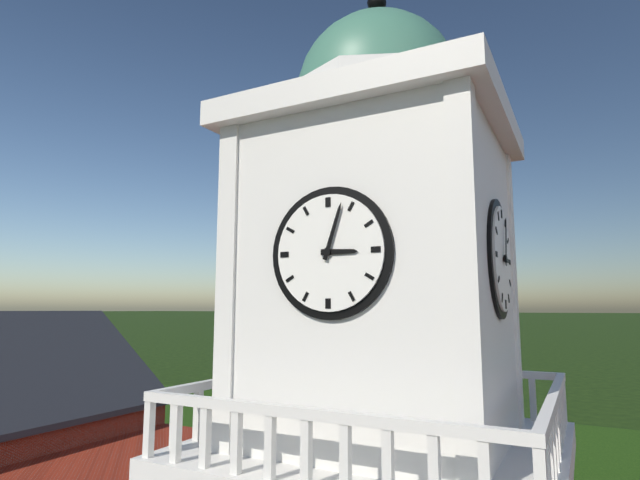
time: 3:03
